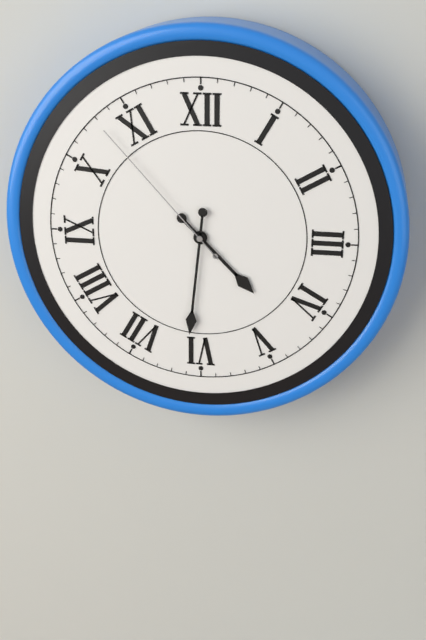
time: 4:31:53
